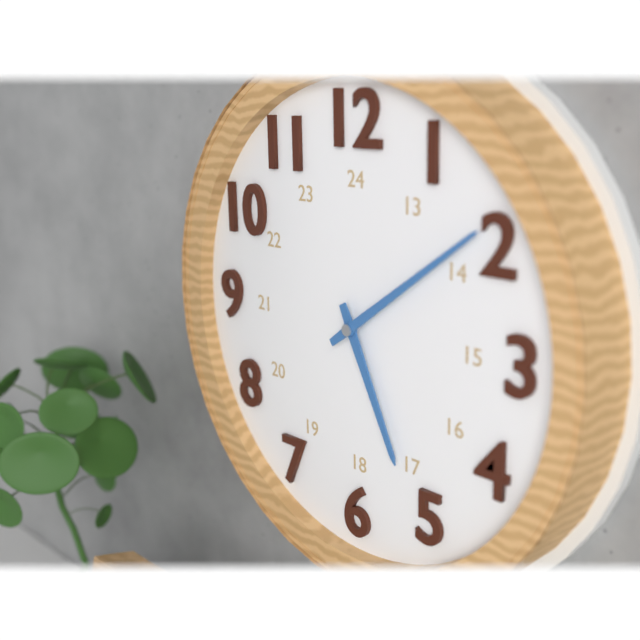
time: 5:09
